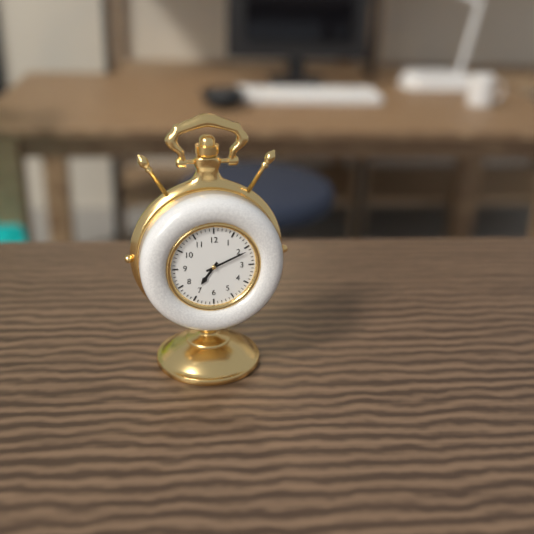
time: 7:11
